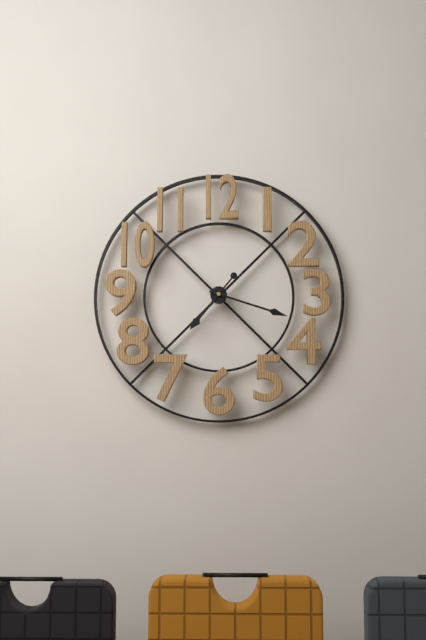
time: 7:18
